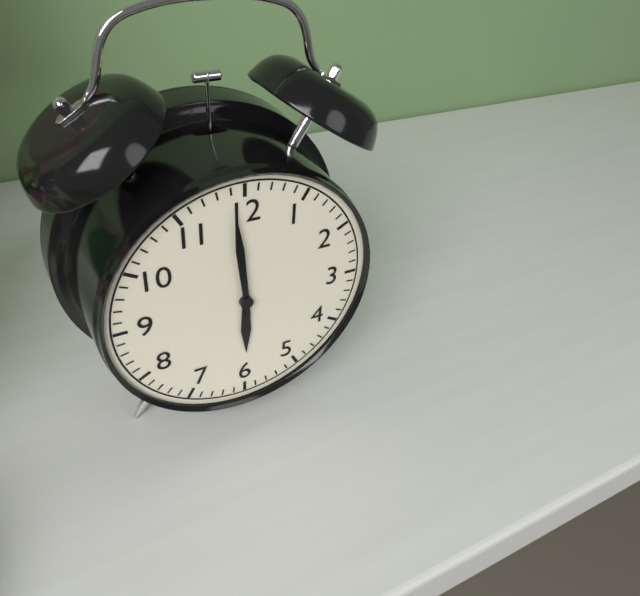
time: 5:59
